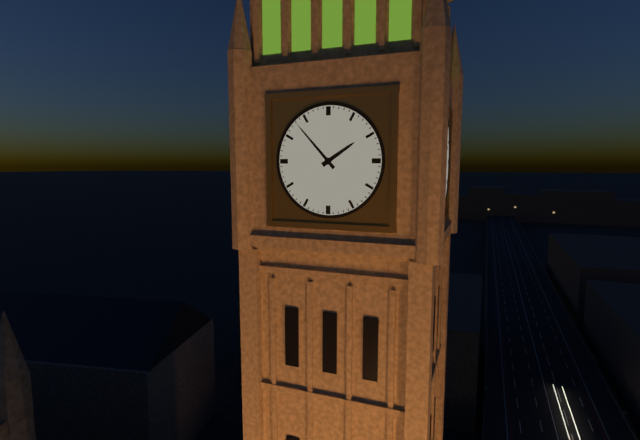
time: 1:53
